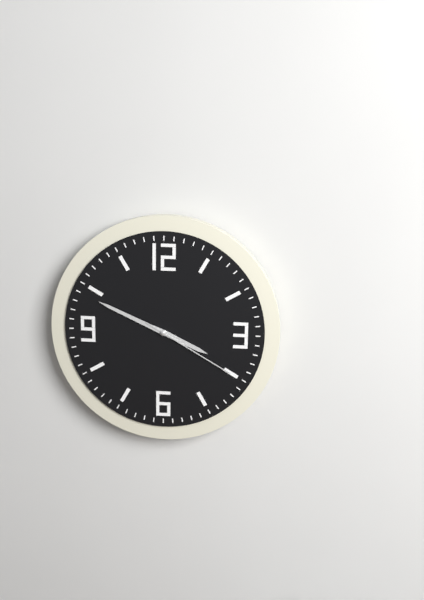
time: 3:49:20
